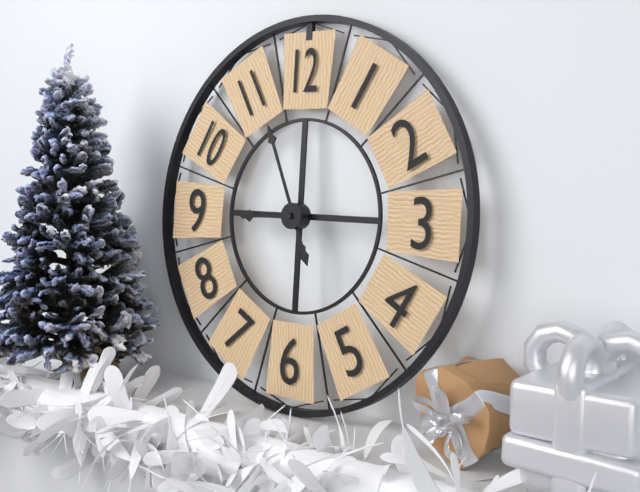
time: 8:56
